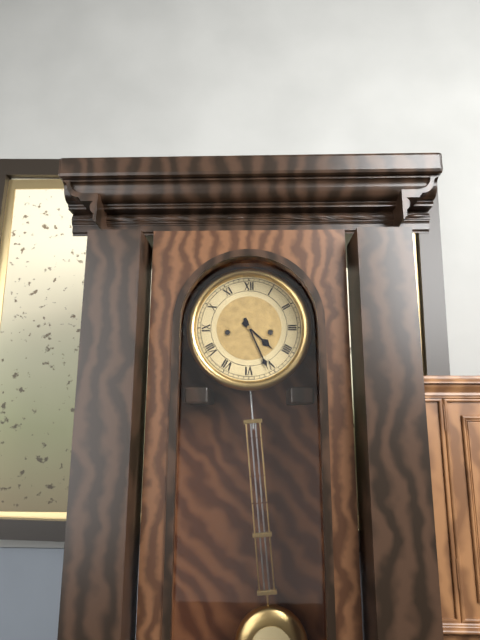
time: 4:26
